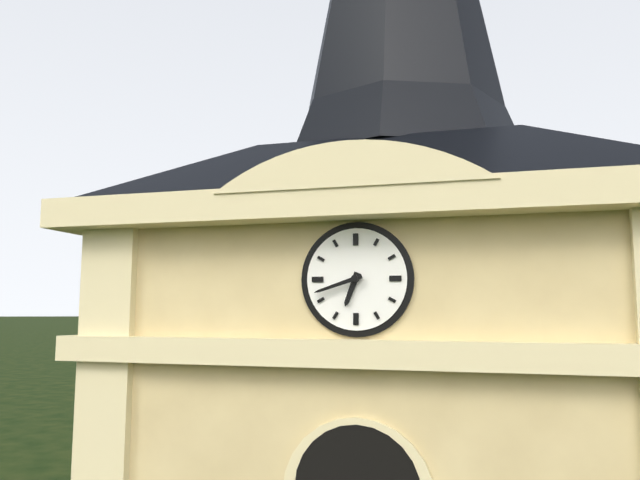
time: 6:42
